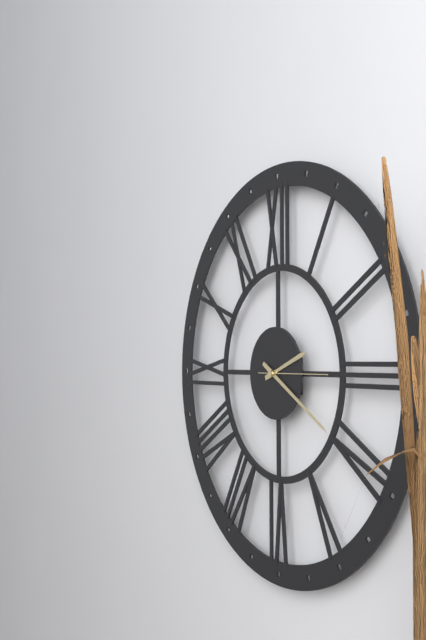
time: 2:20:15
